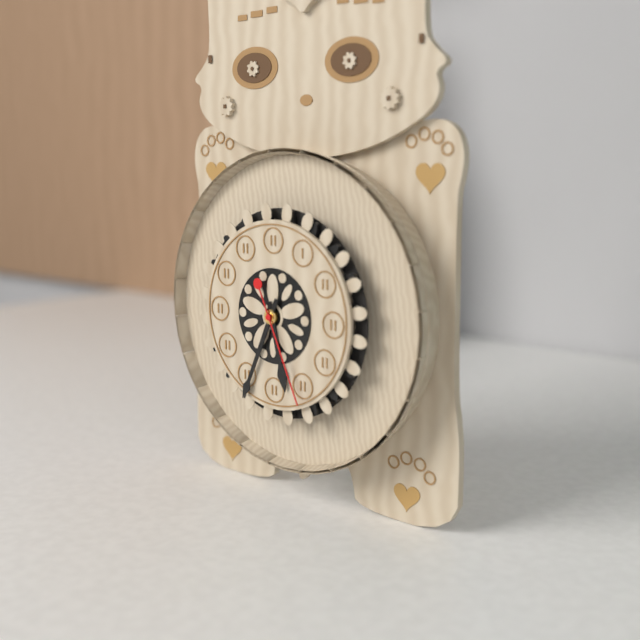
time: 5:34:26
